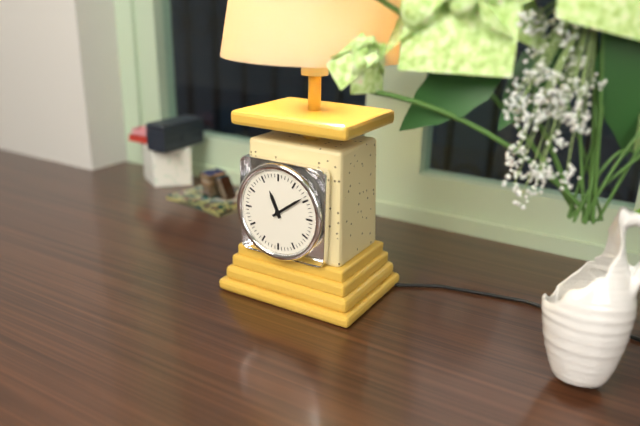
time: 11:09
